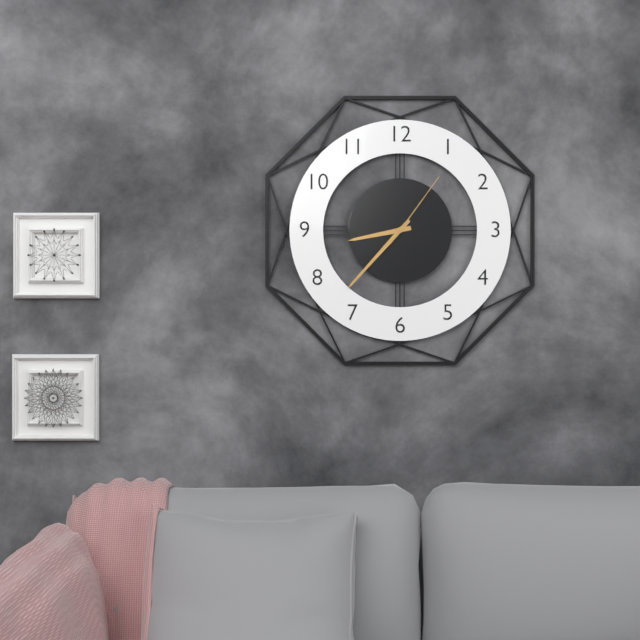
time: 8:37:06
